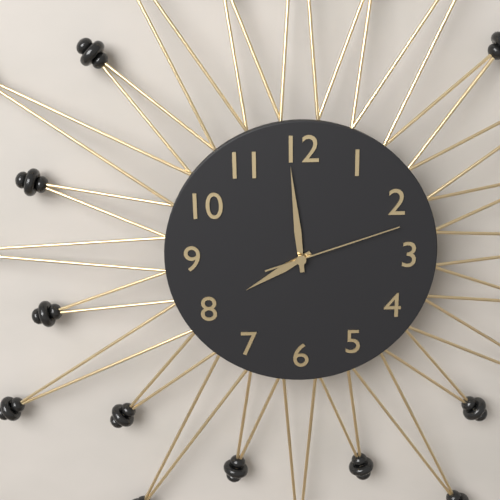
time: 7:59:12
